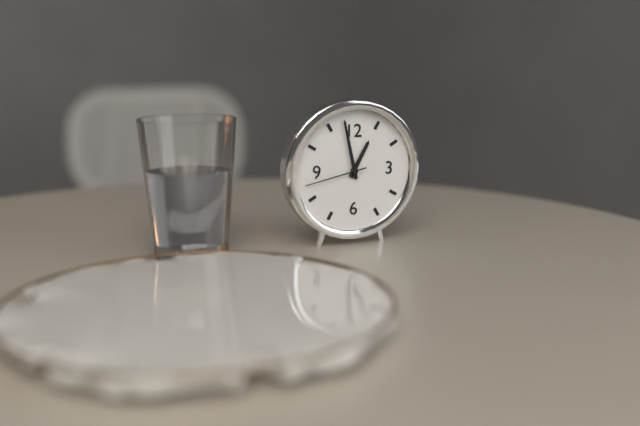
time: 12:58:43
